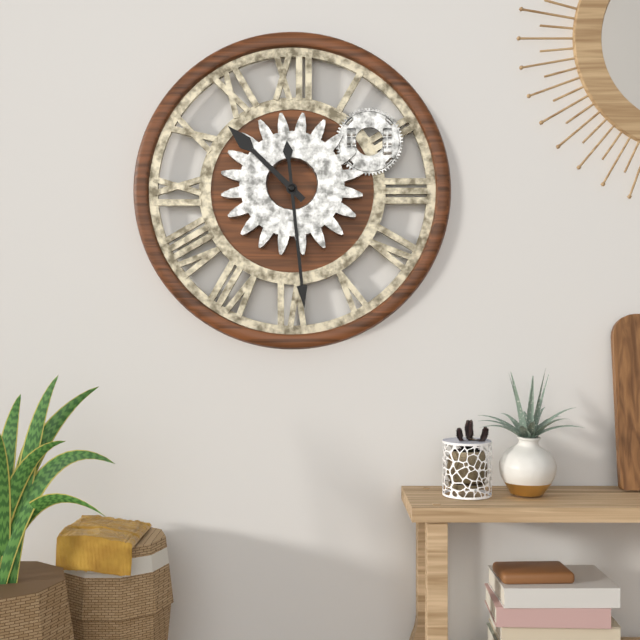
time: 10:29
